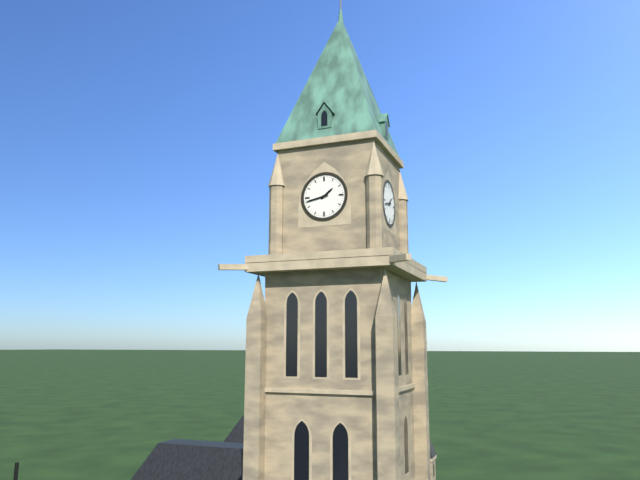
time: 1:43
